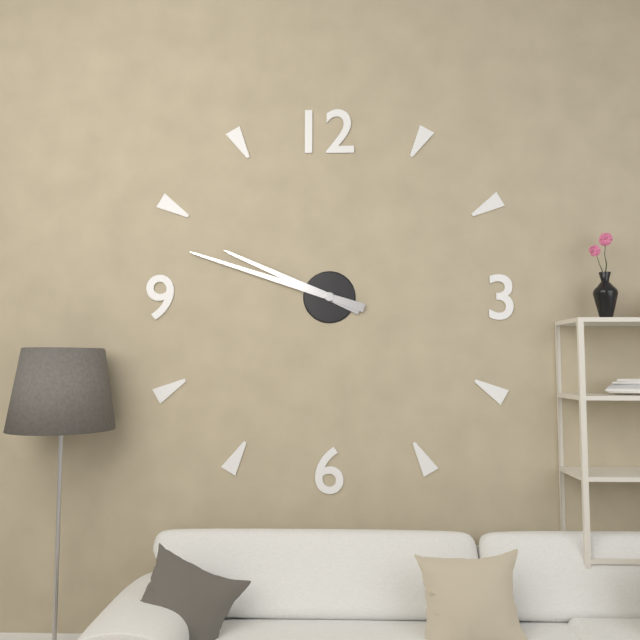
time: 9:48
